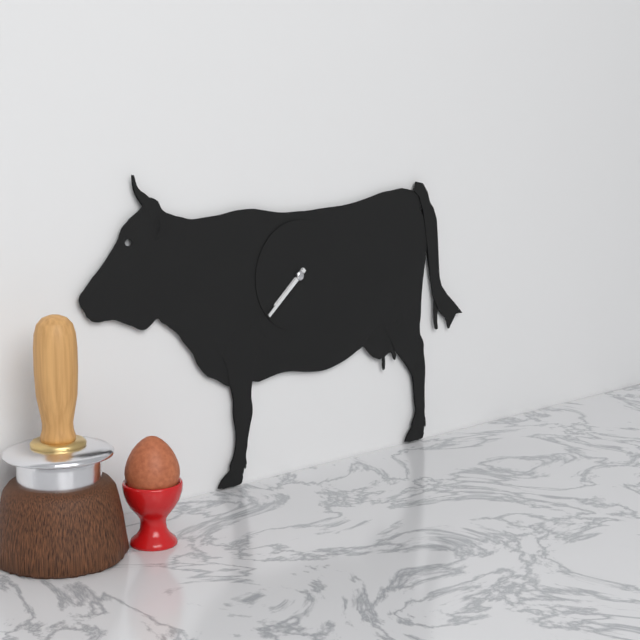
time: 7:38
